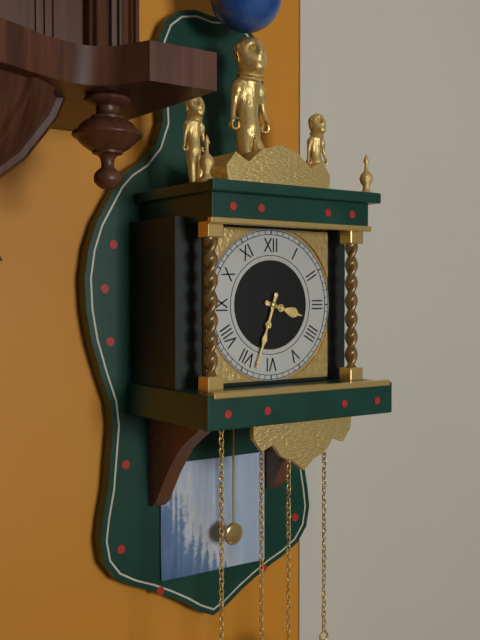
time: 3:33
